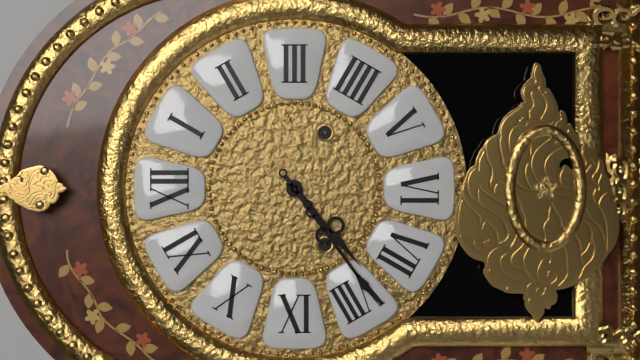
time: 7:39
